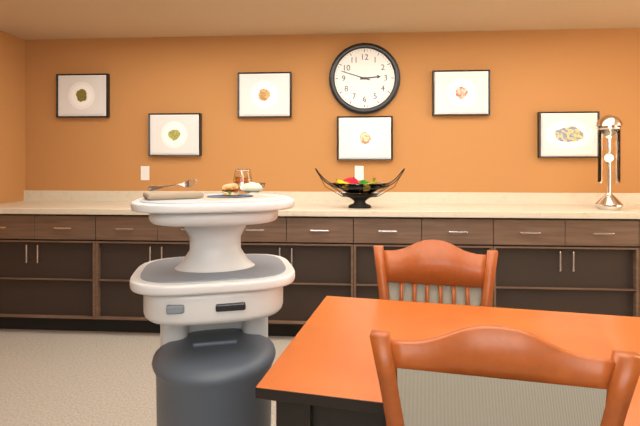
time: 2:48
